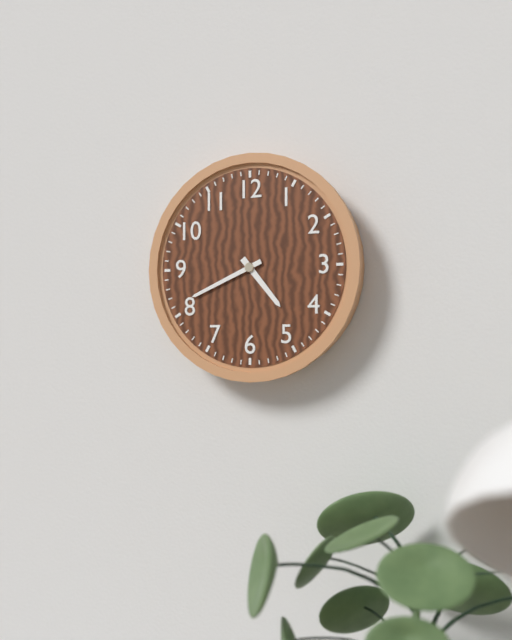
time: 4:41
